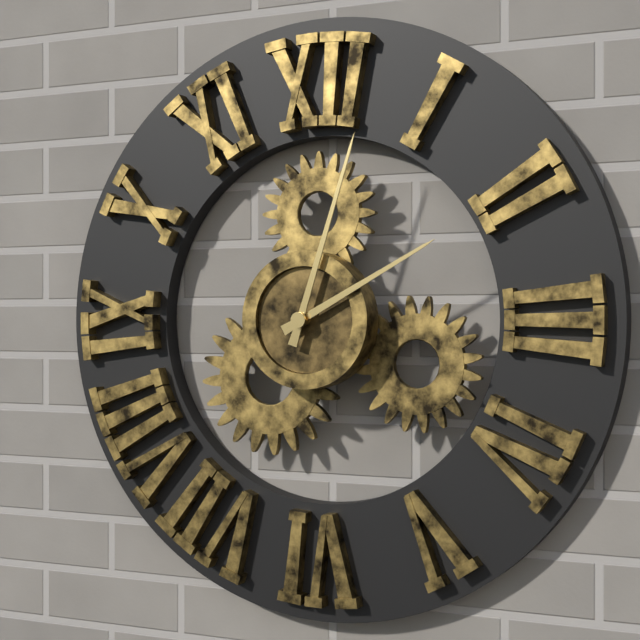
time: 2:03
